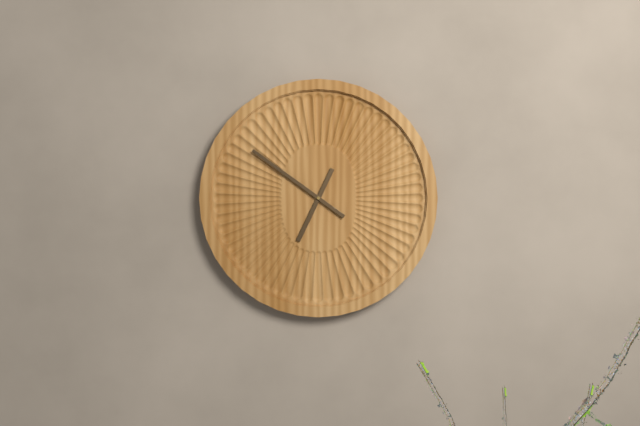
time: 6:51
